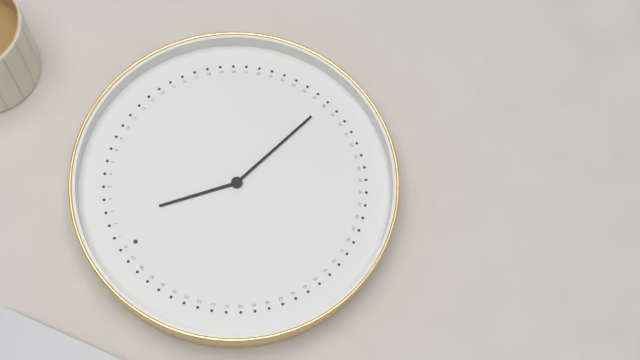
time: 12:28
